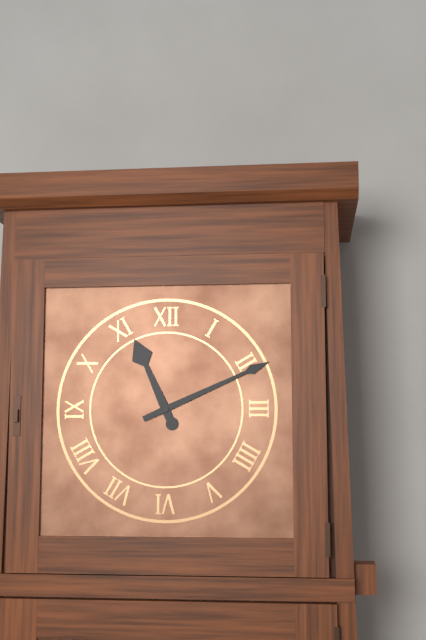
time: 11:11
